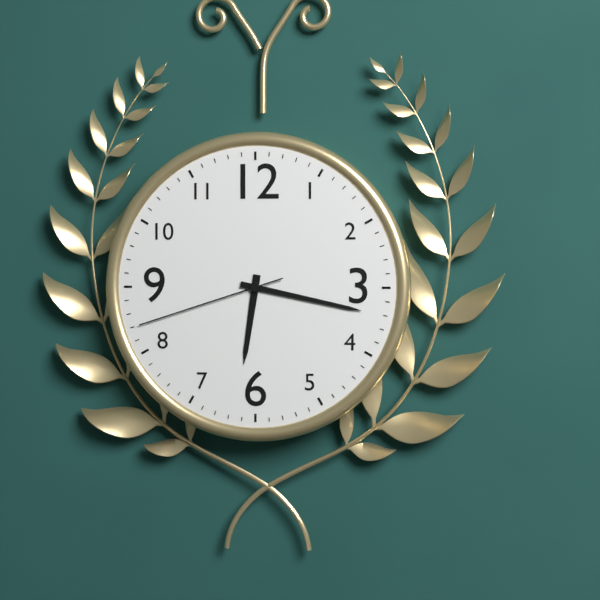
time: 6:17:42
